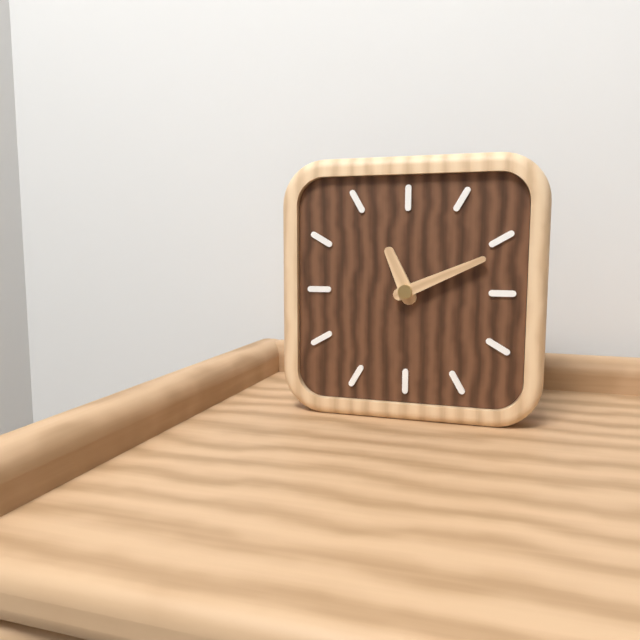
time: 11:11
